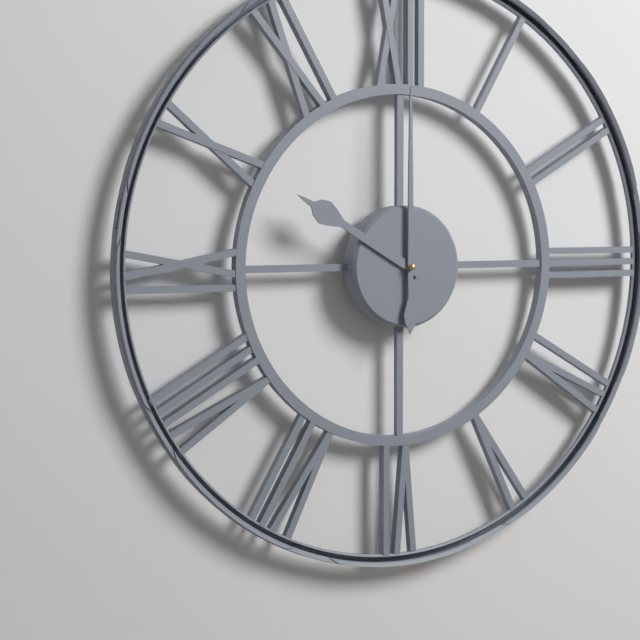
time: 10:00
